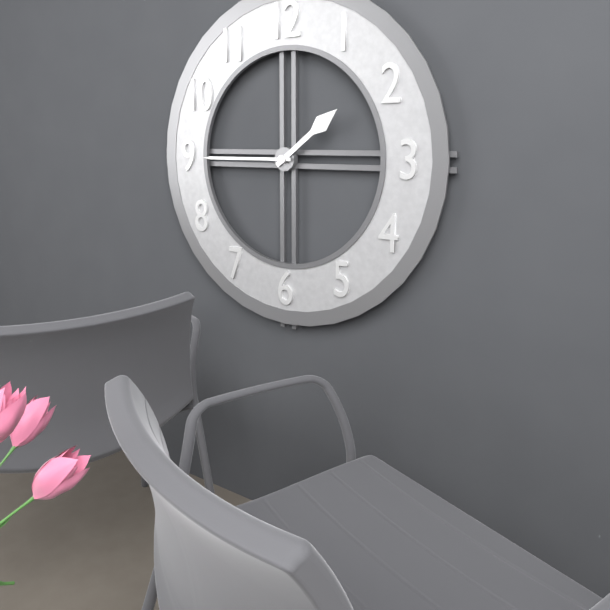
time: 1:45
